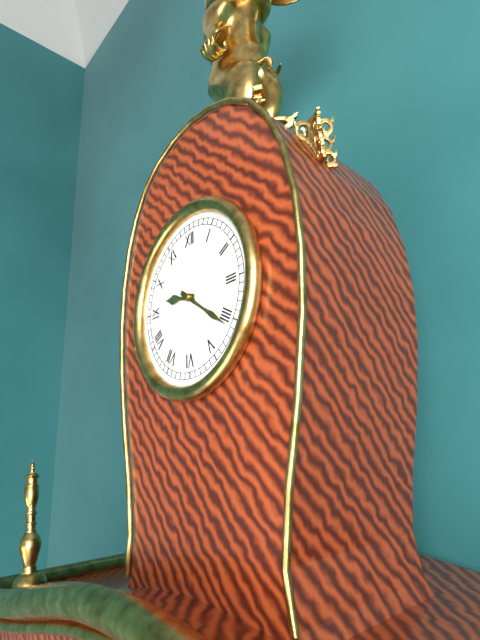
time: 9:21
